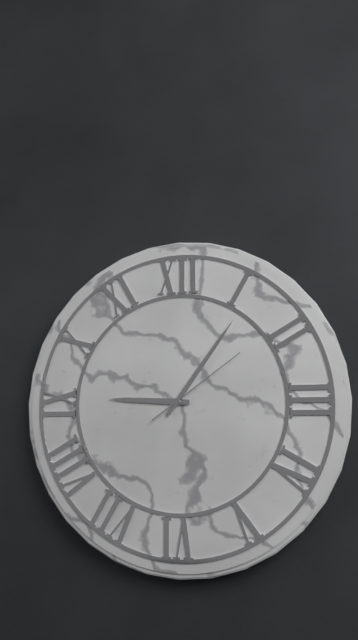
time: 9:06:09
